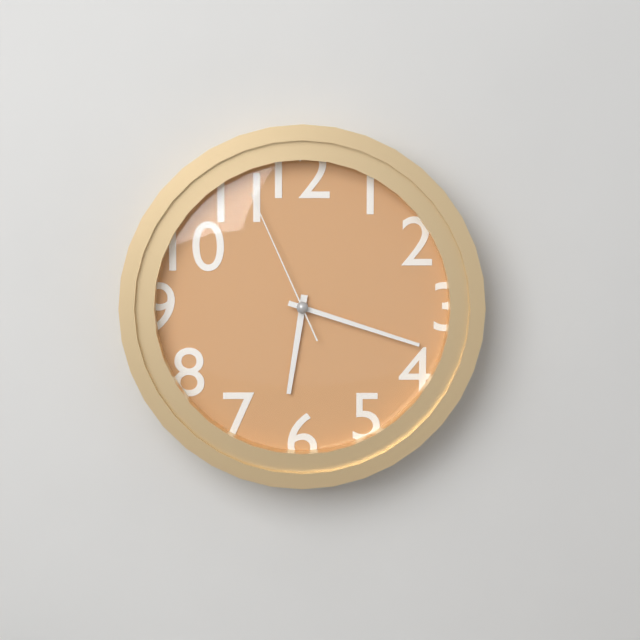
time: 6:18:56
